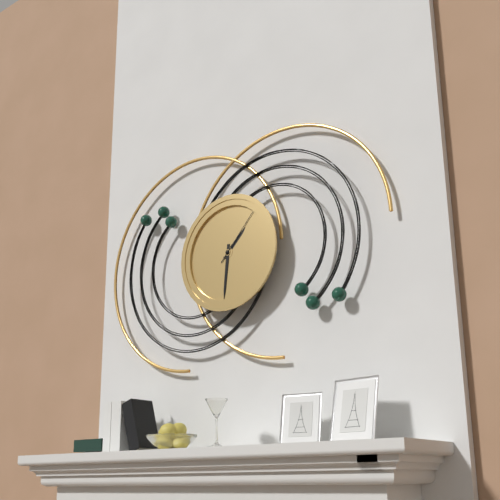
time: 1:31:07
